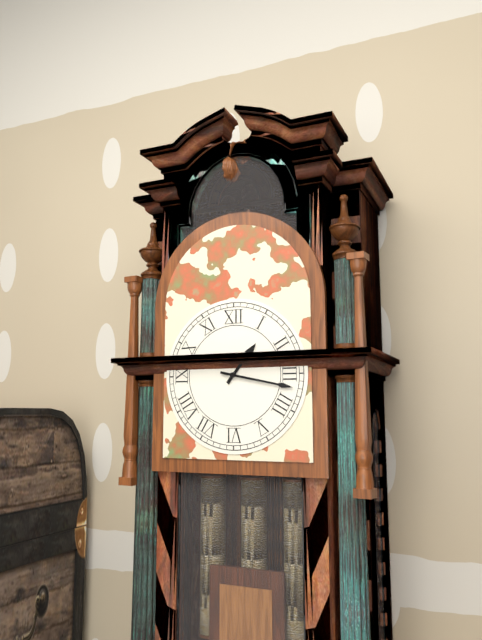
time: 1:17
